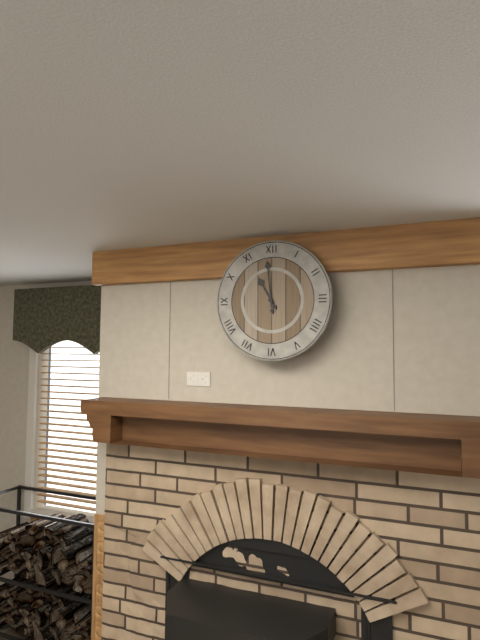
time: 10:59
